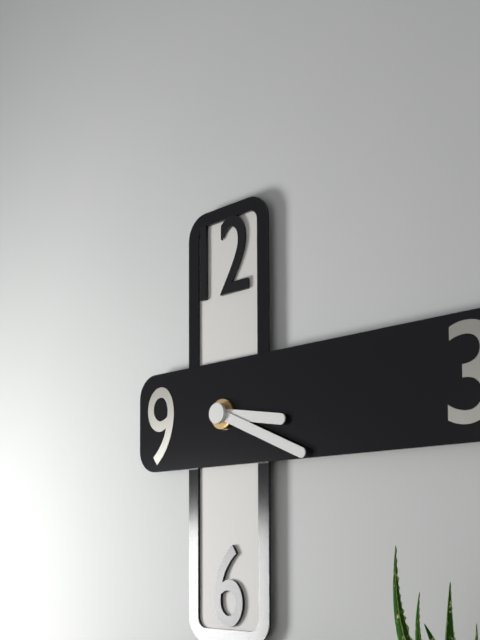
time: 3:19
